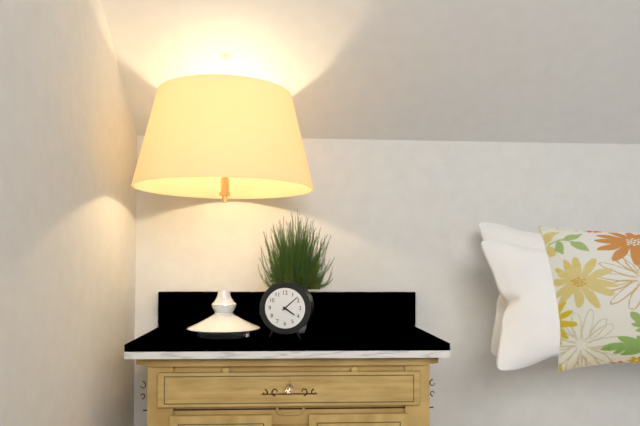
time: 4:08
